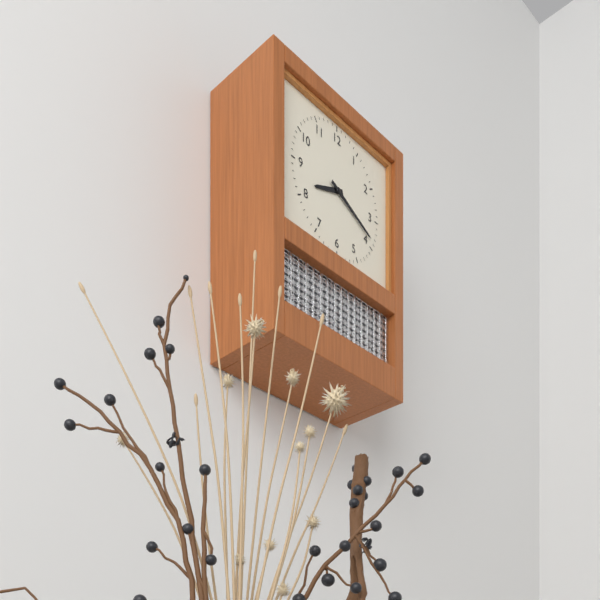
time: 8:19
